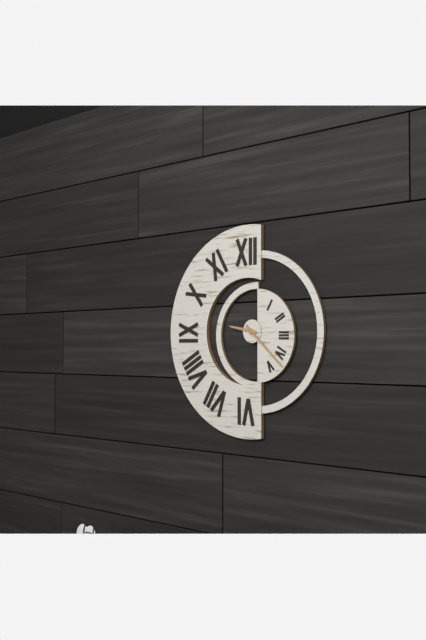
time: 9:22
